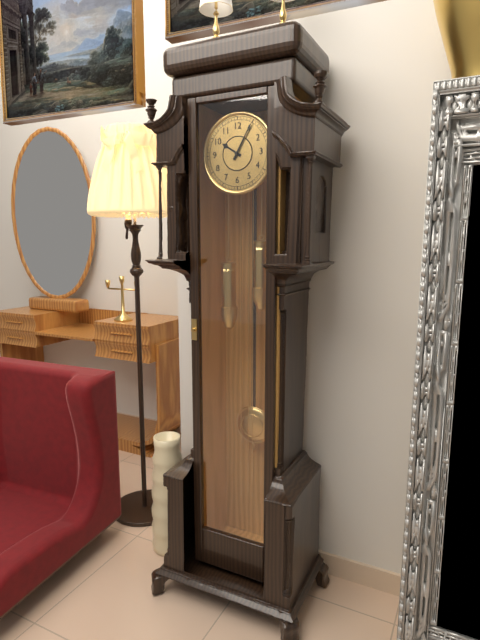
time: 10:05
